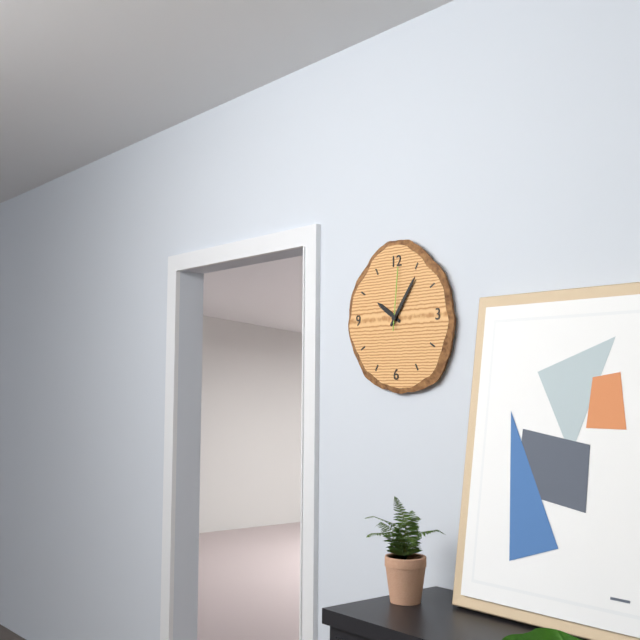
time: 10:06:01
